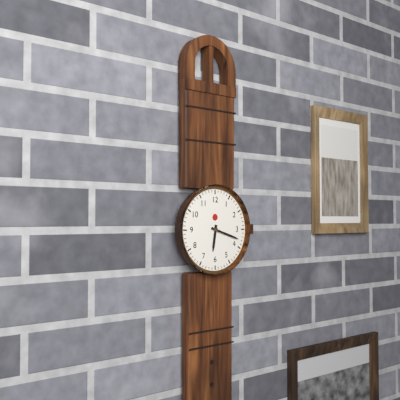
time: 6:18
